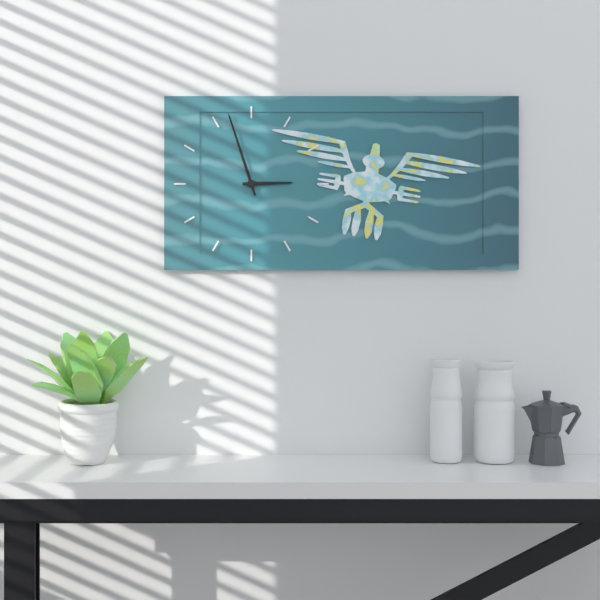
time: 2:57
